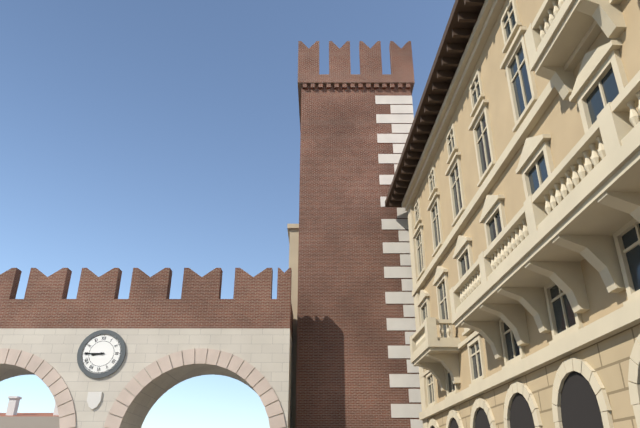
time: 8:45
